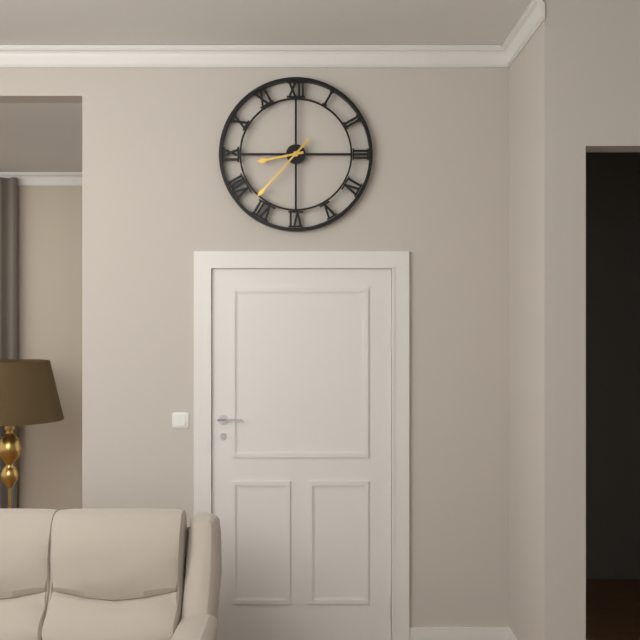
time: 8:37
